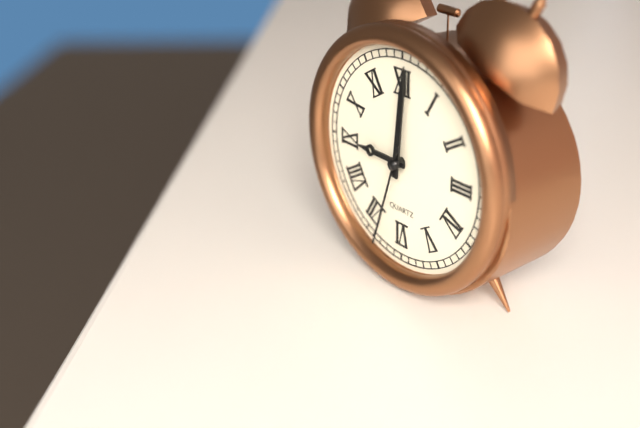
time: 9:01:33
